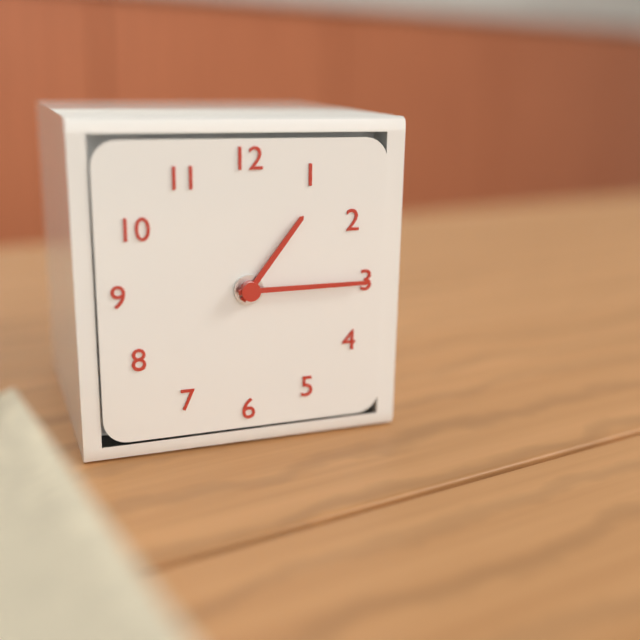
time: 1:15
